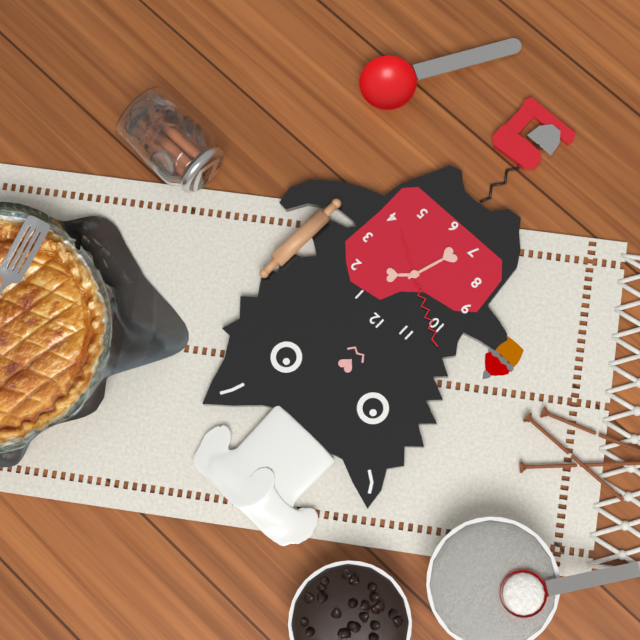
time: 1:33:50
